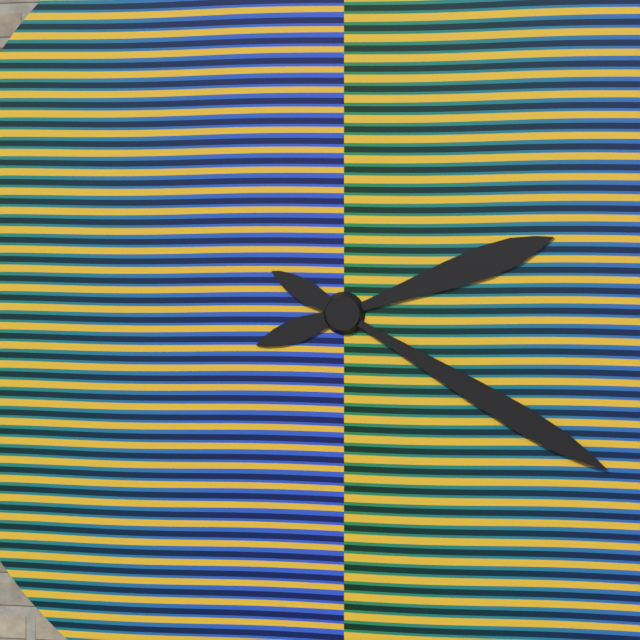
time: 2:20
